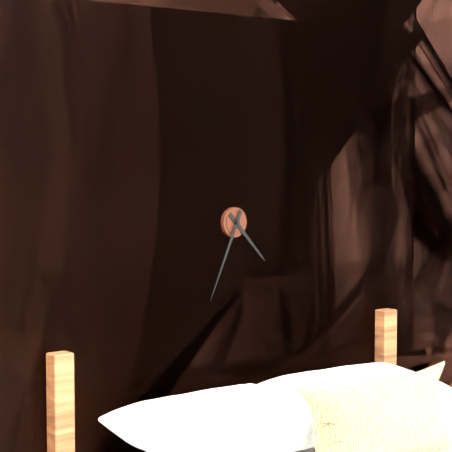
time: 4:34
